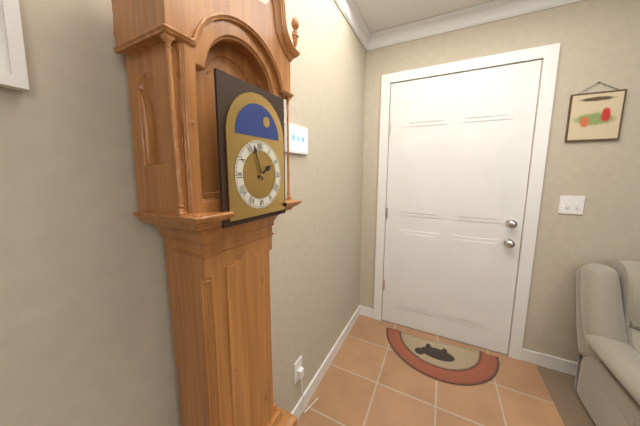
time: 1:57
